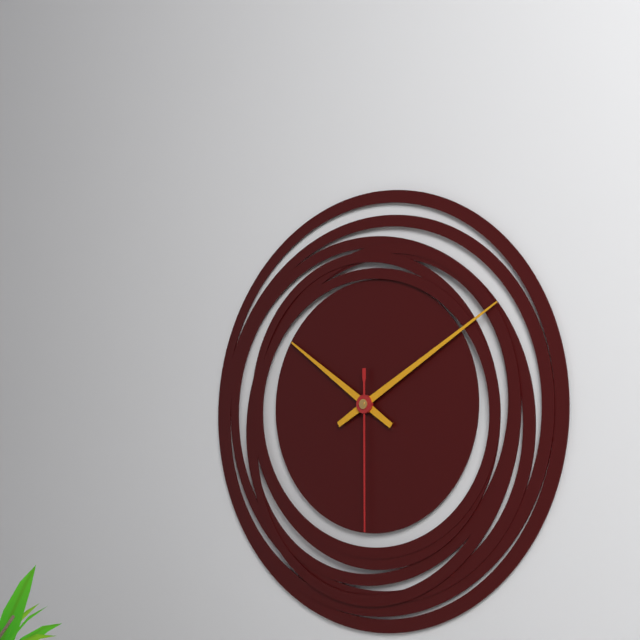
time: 10:10:30
